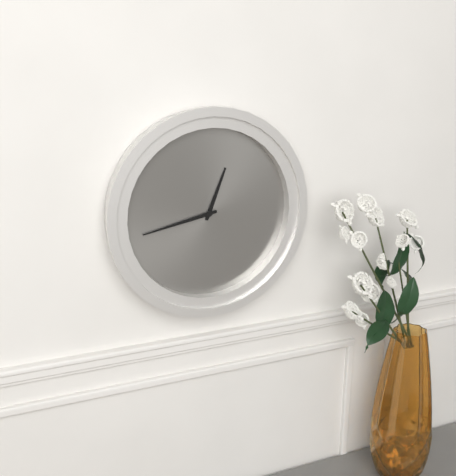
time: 12:43
